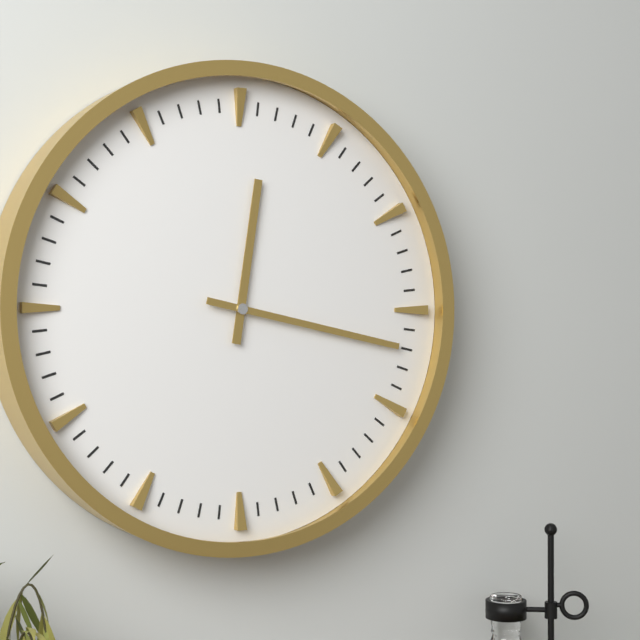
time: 12:17
